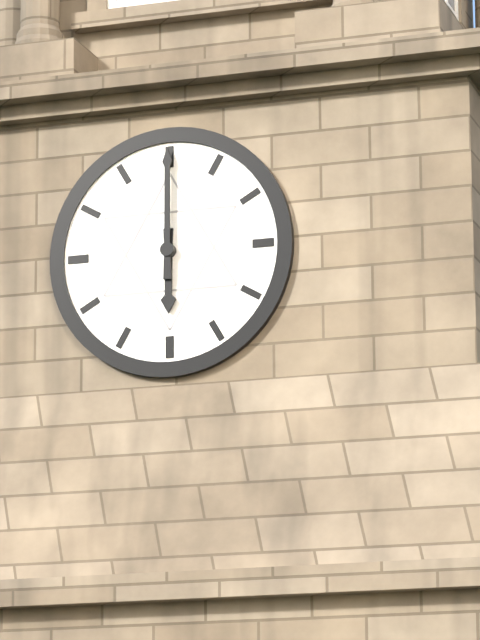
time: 6:00
